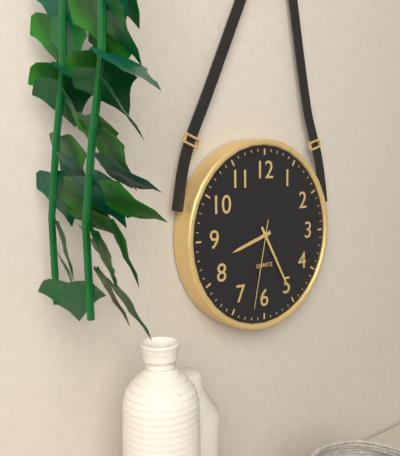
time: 8:25:32
